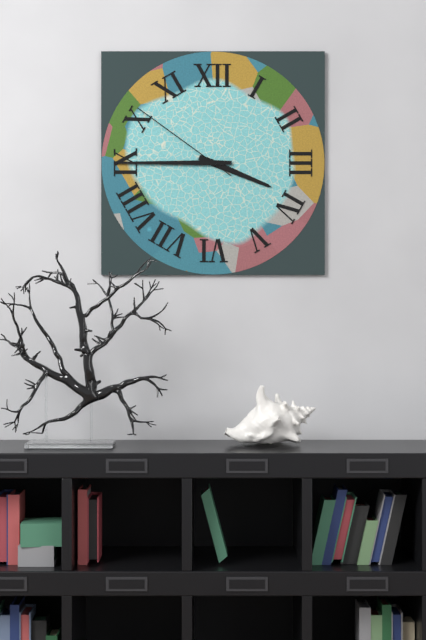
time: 3:45:51
